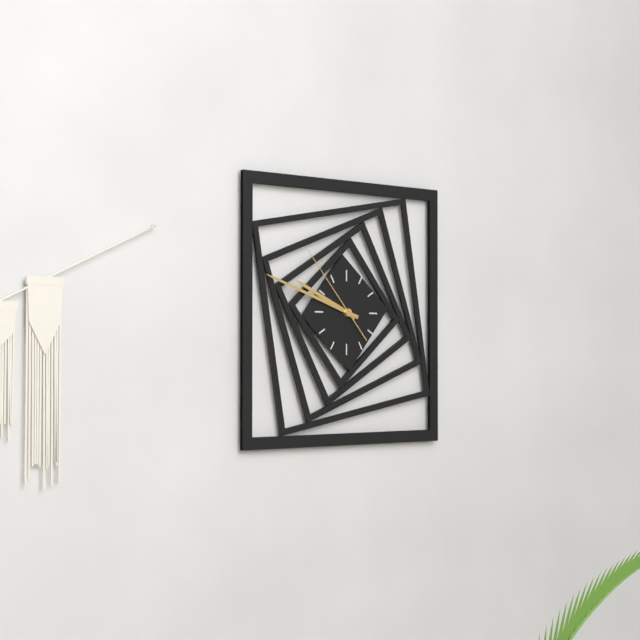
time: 9:48:53
